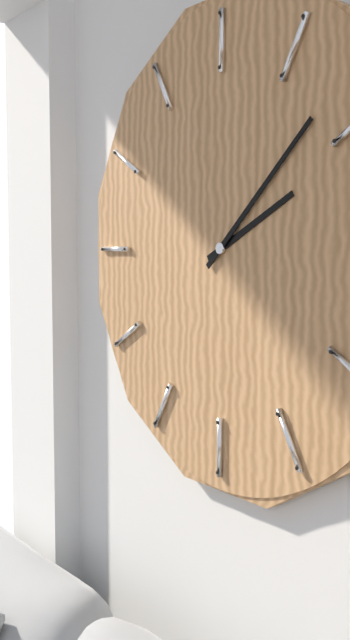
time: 2:08
